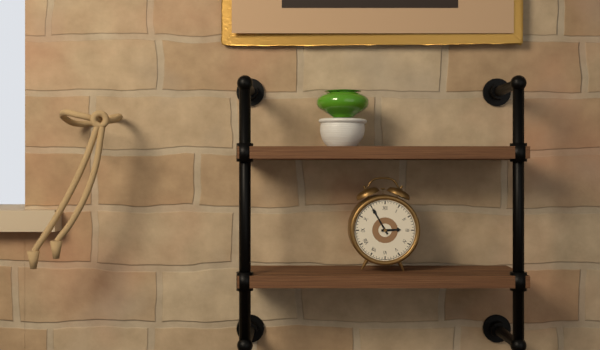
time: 2:55
